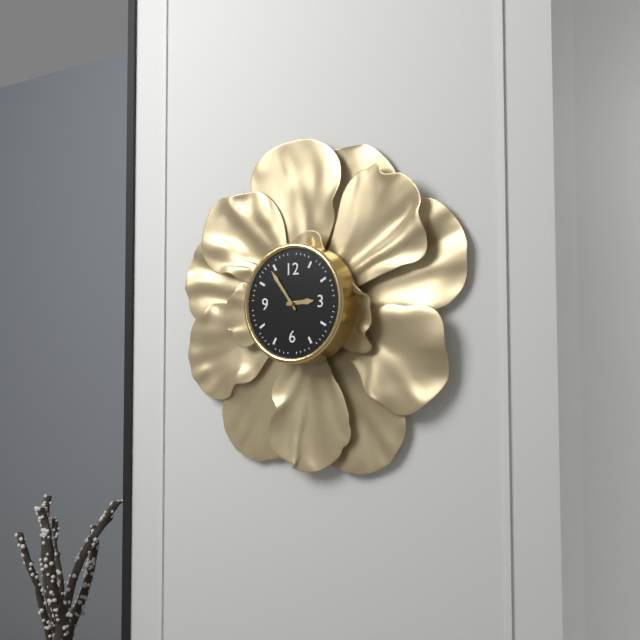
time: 2:54
